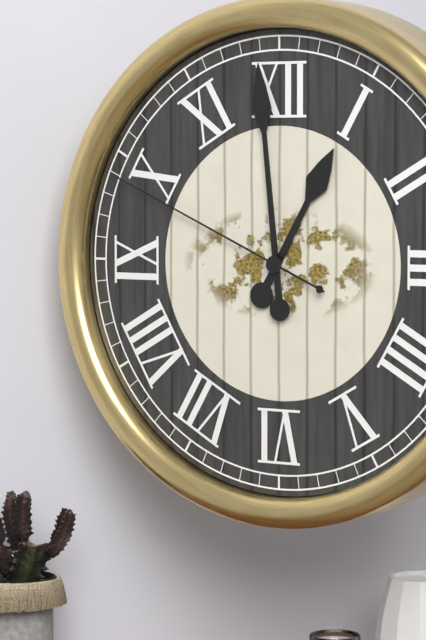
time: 12:59:49
